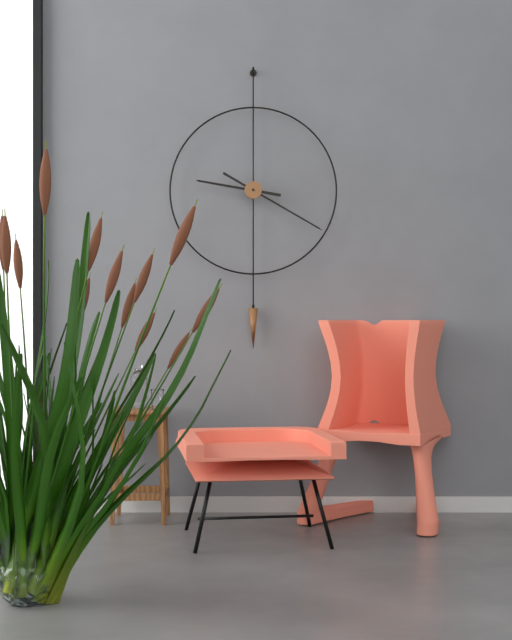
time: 9:20
